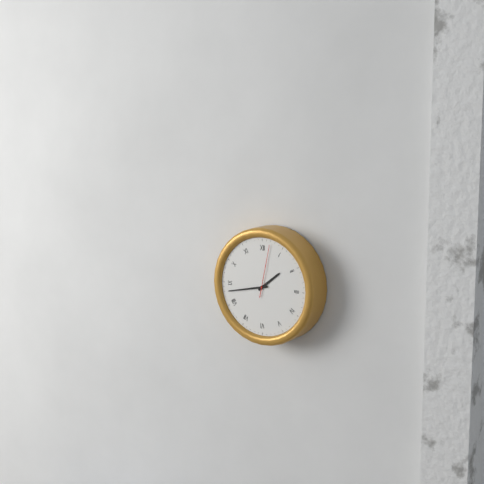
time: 1:43:02
